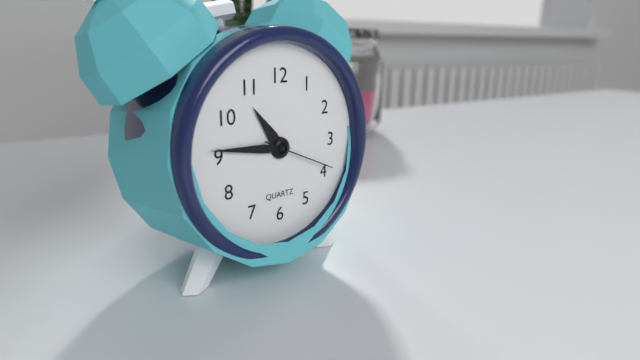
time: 10:46:19
